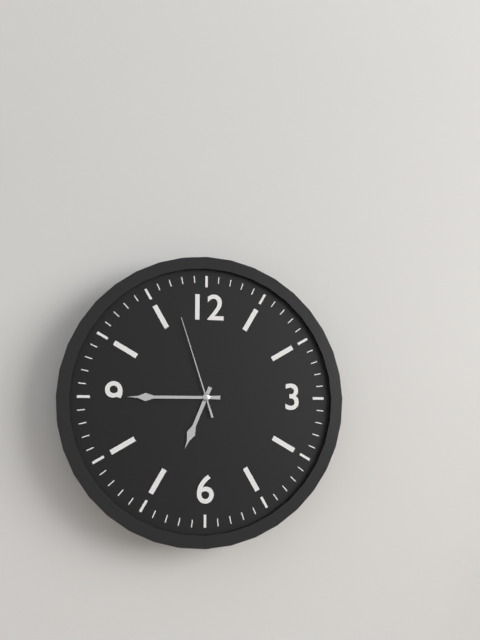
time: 6:45:57
